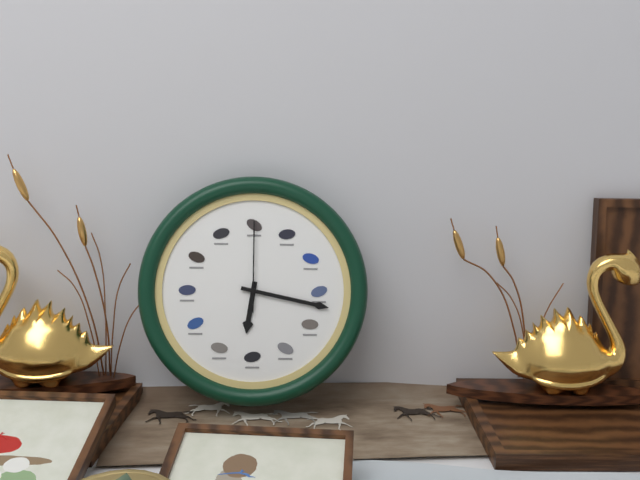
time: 6:17:00
